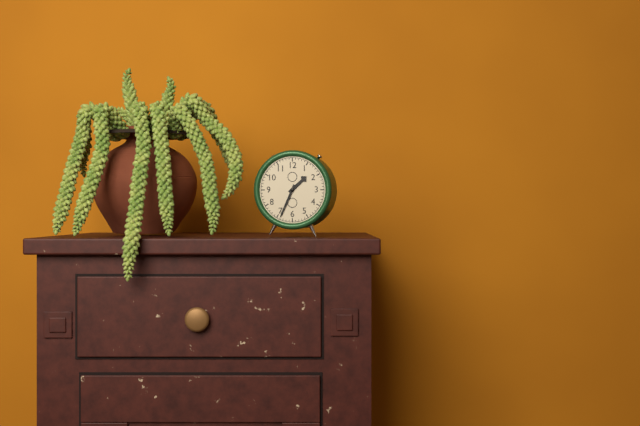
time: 1:34
